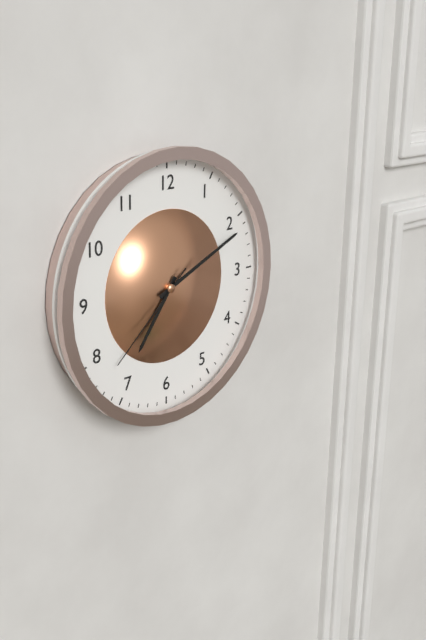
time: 7:11:38
